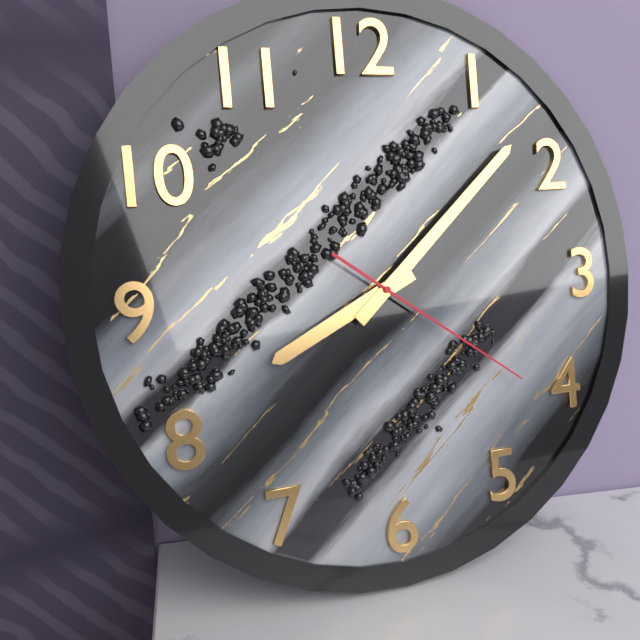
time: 8:08:21
